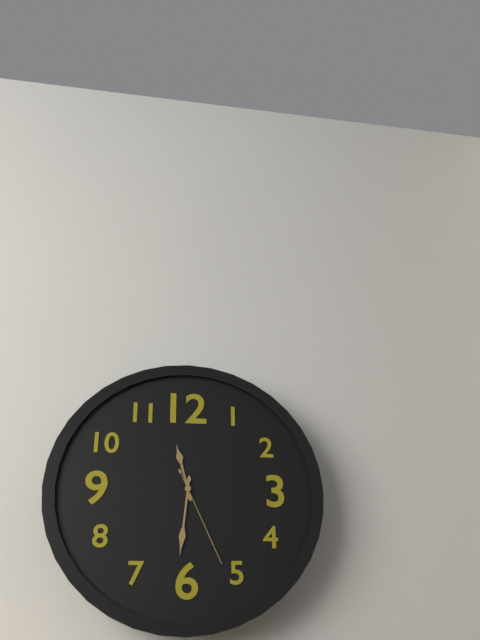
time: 11:31:26
